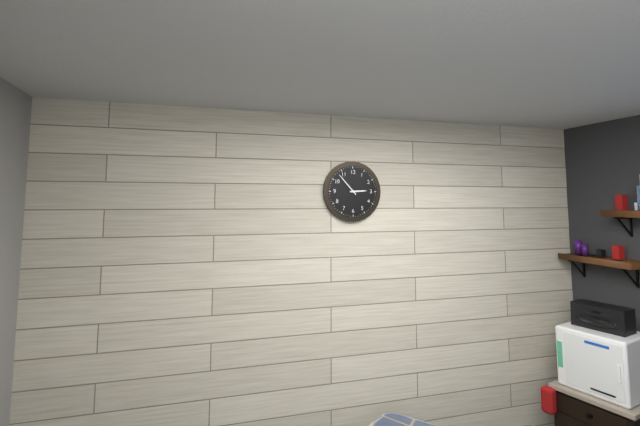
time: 2:53
